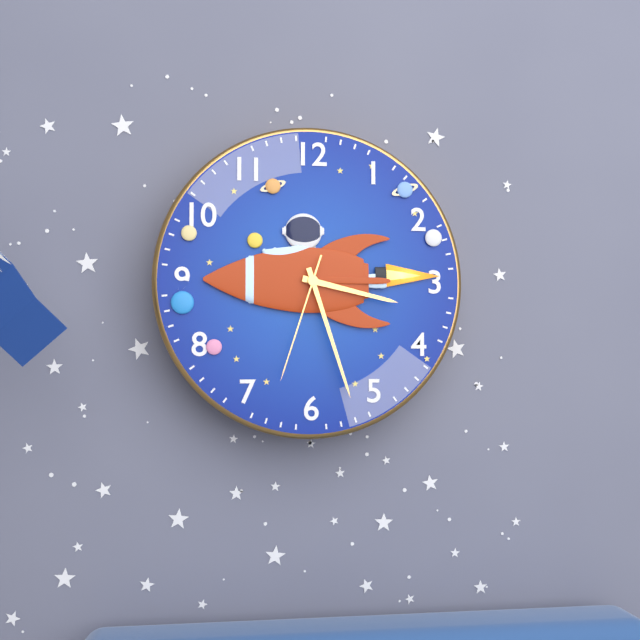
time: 3:27:33
